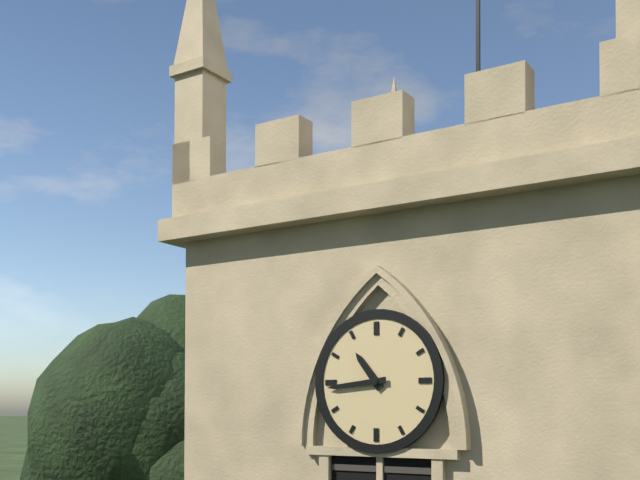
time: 10:44
